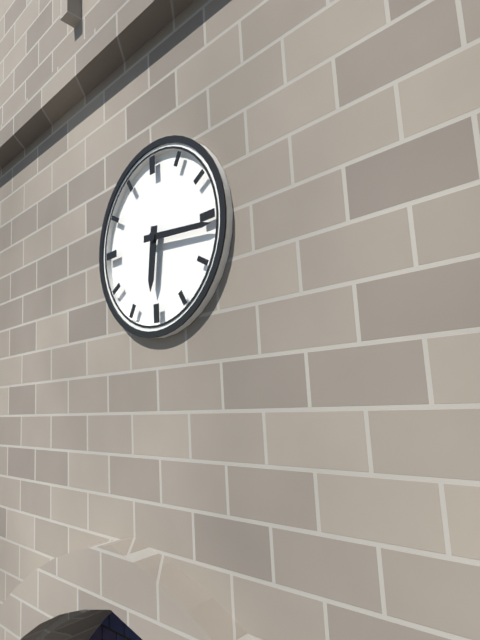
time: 6:16
